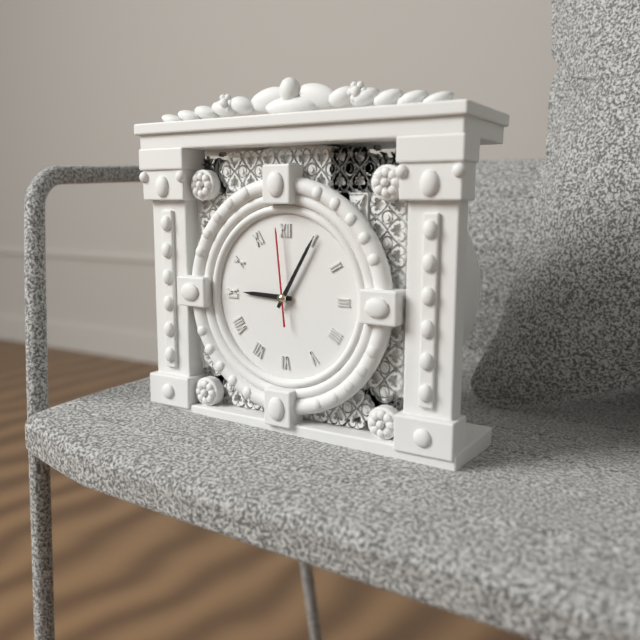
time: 9:05:59
